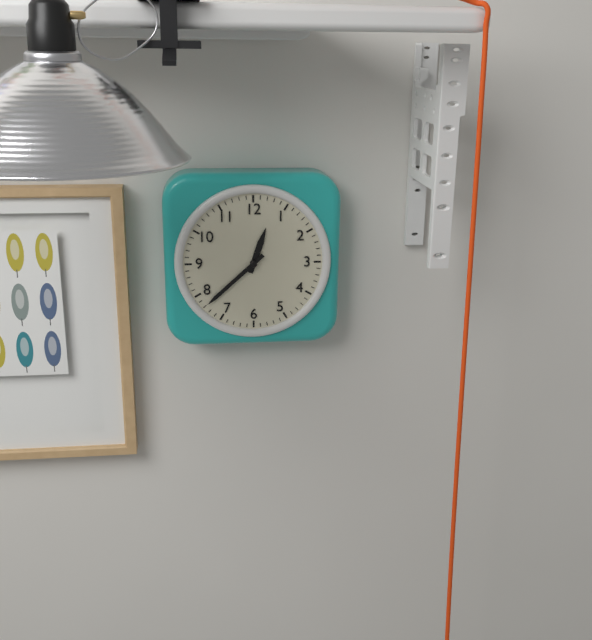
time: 12:38
